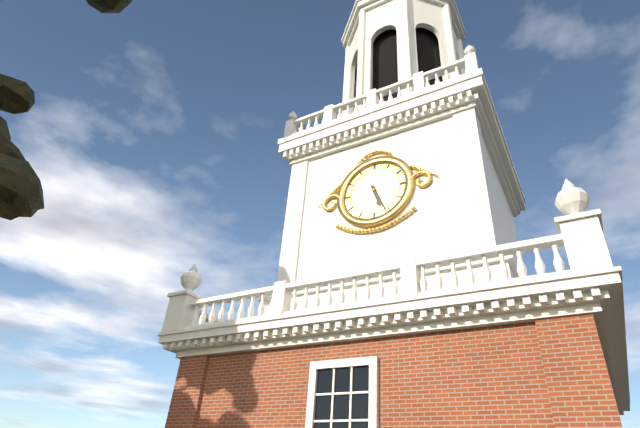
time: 5:26
